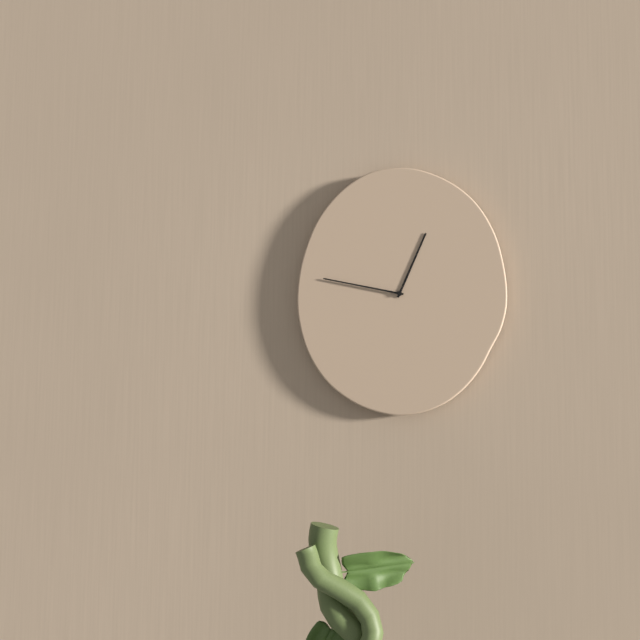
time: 12:47
